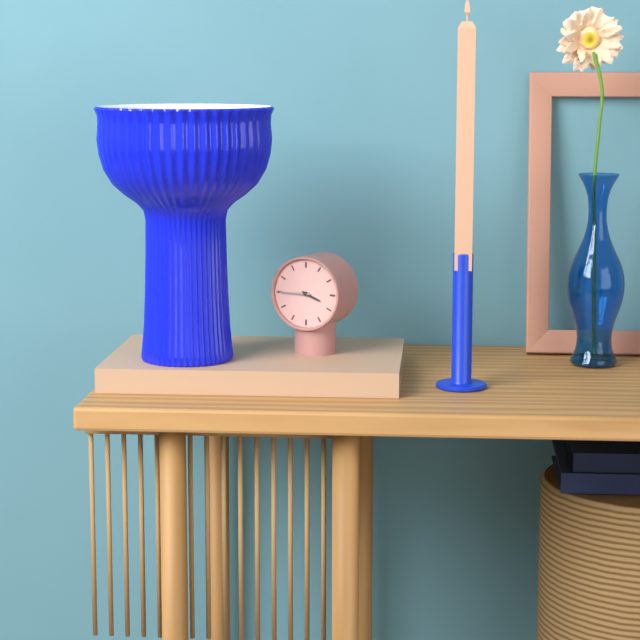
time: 3:45
